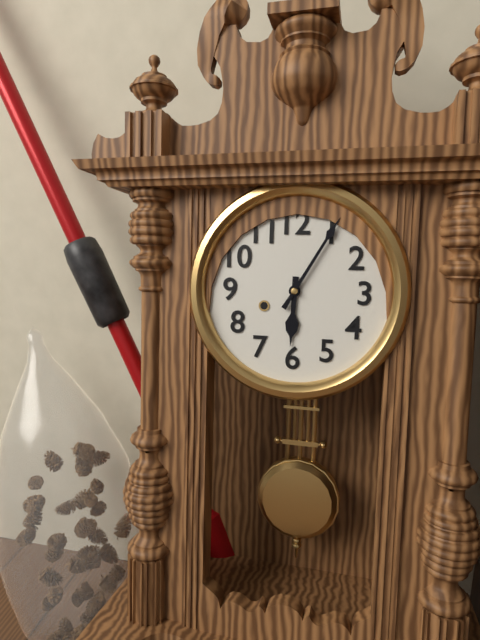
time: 6:05
